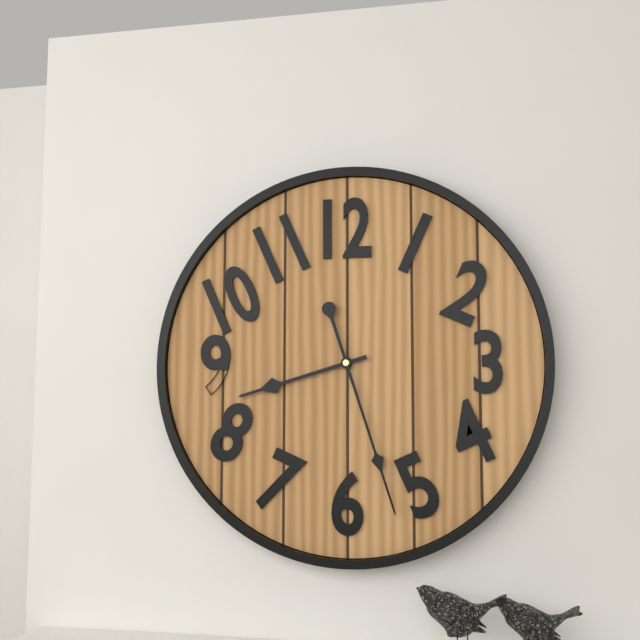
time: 8:27
